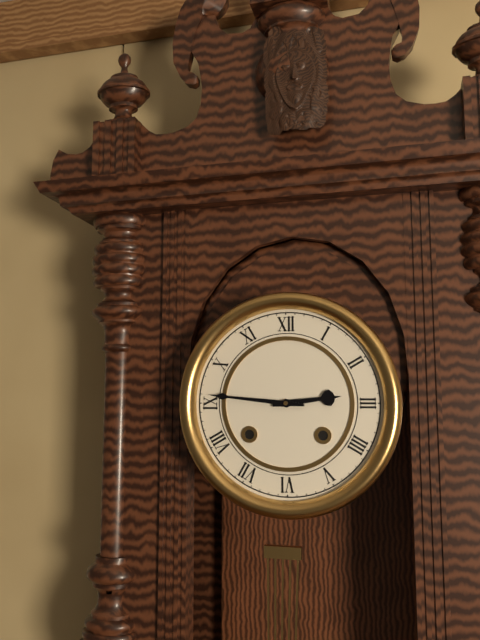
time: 2:46
